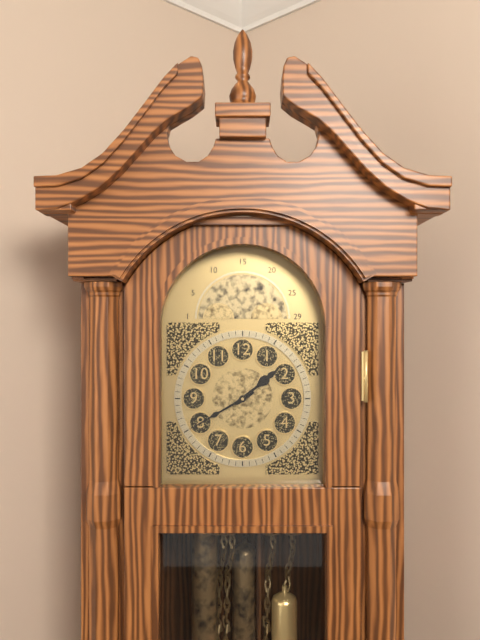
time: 1:40
